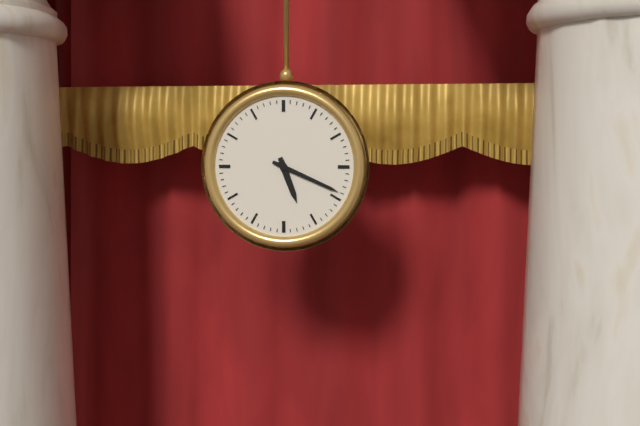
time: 5:19
